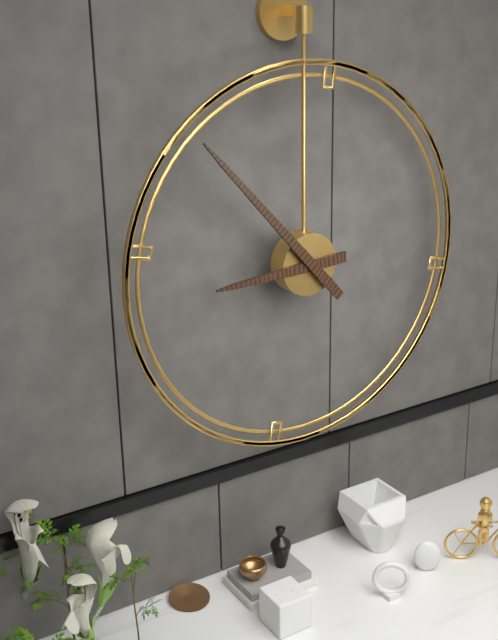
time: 8:53
